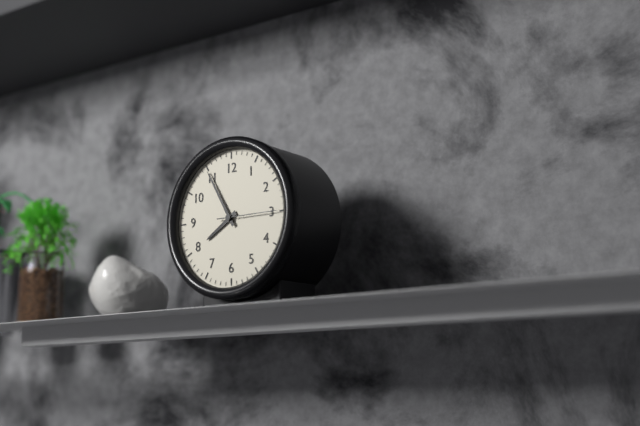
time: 7:55:15
